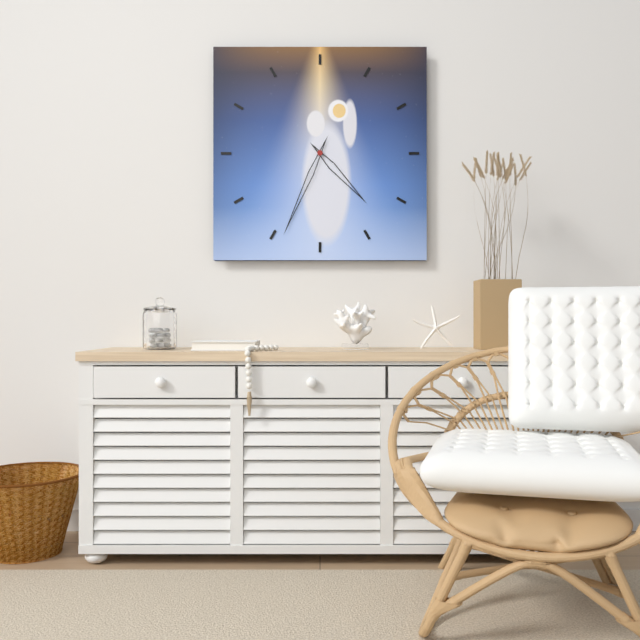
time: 4:34
